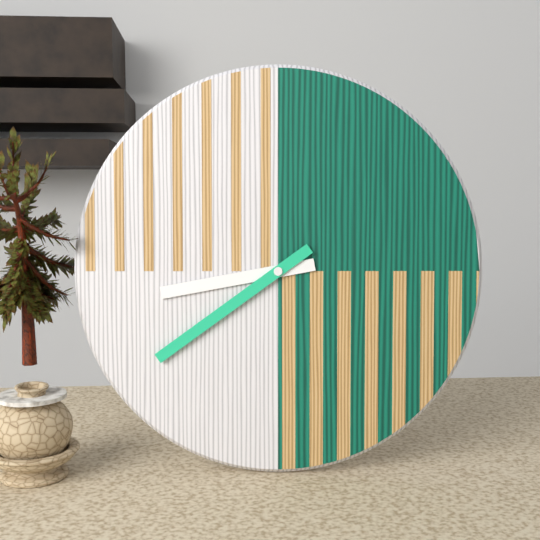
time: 8:39
